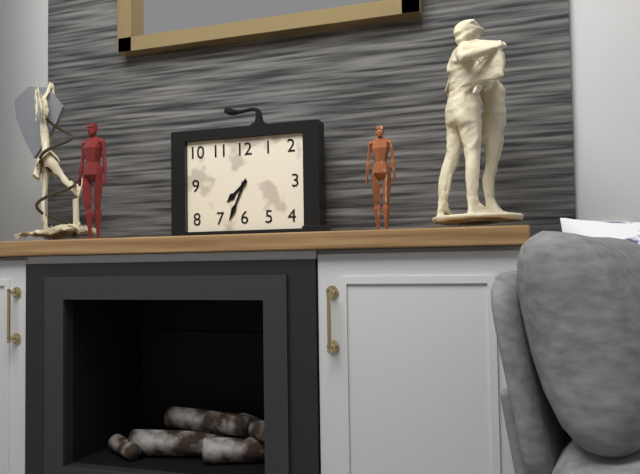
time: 7:34
